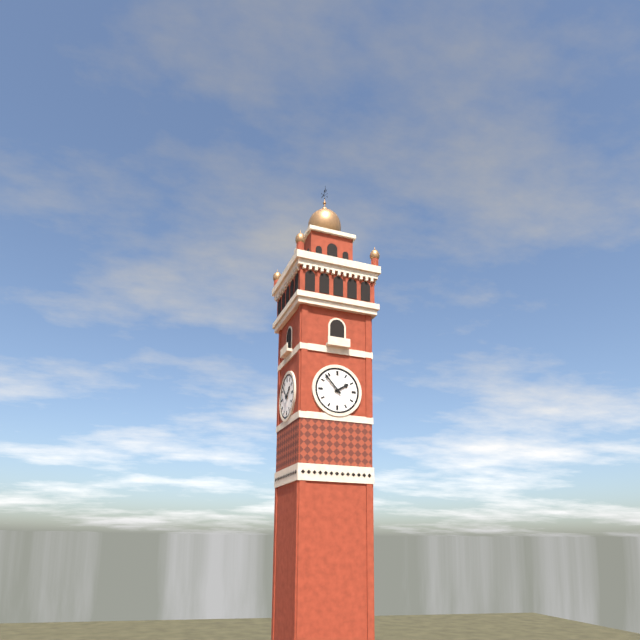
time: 1:53
